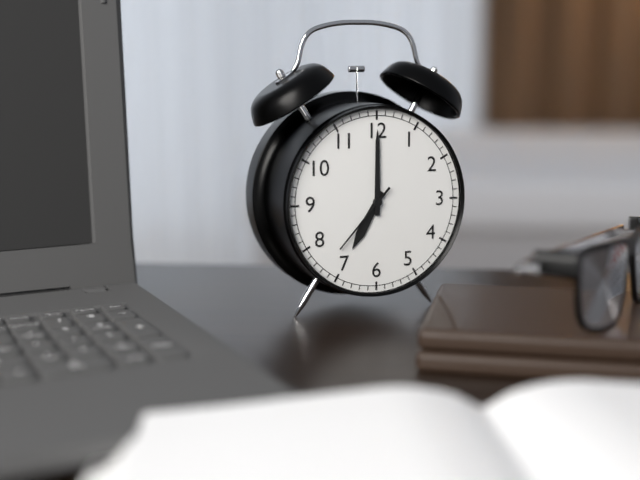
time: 7:00:37
